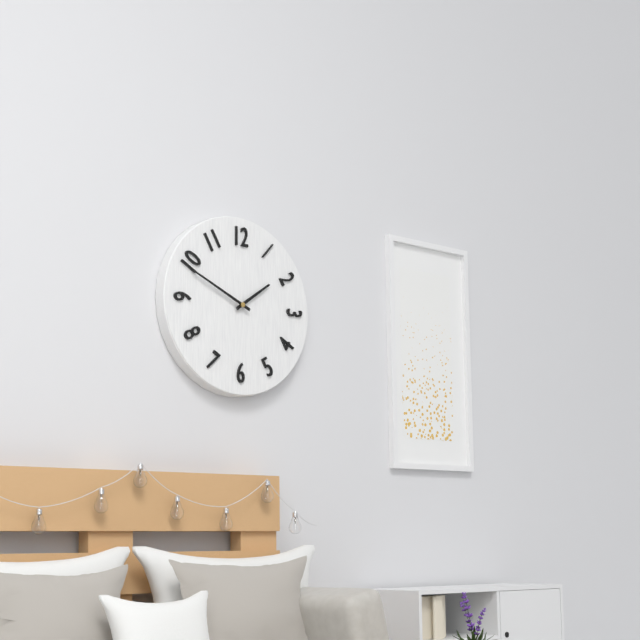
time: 1:49
